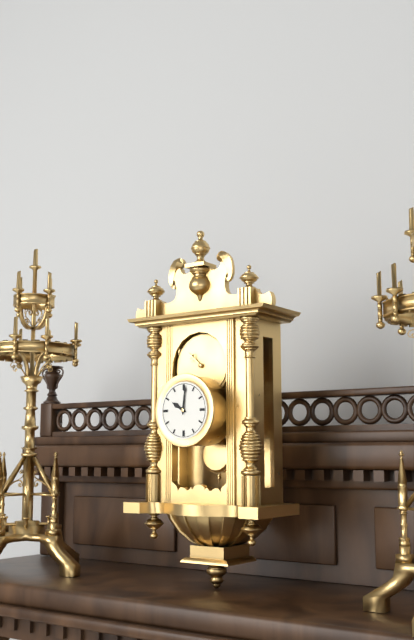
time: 10:01
